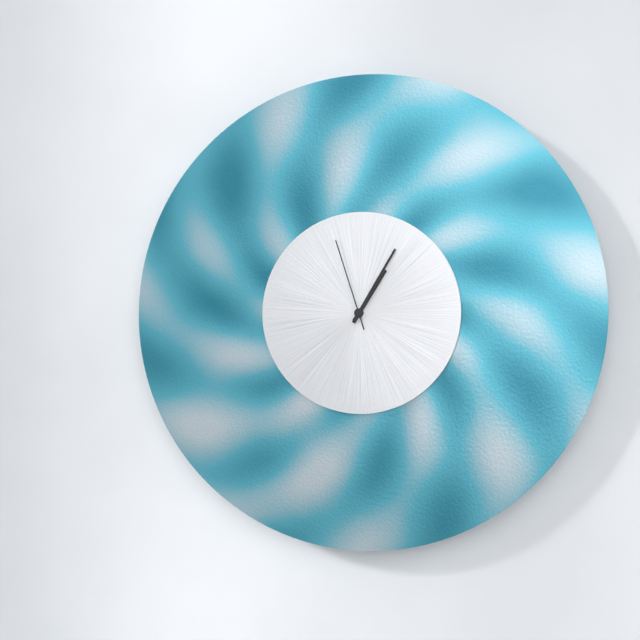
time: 1:05:57
